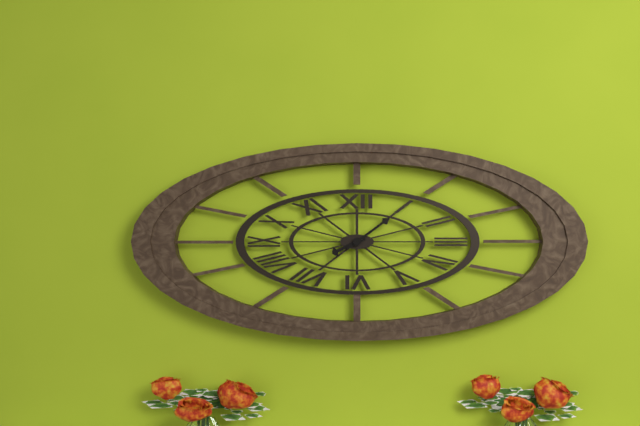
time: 8:09
